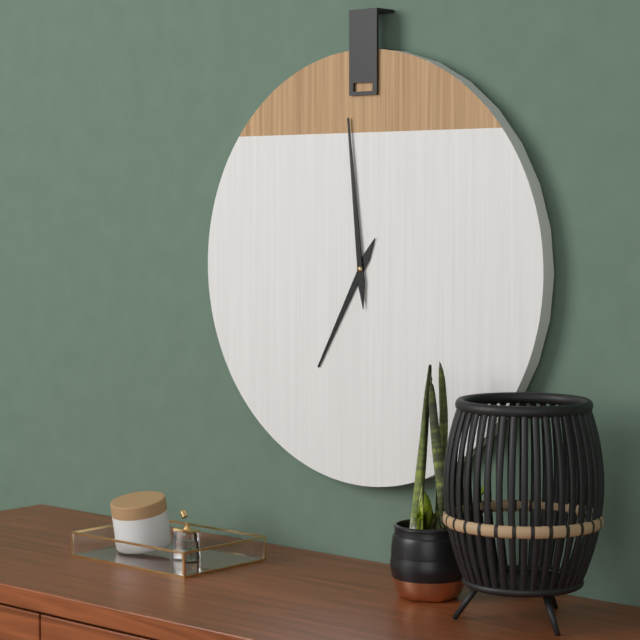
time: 6:59
